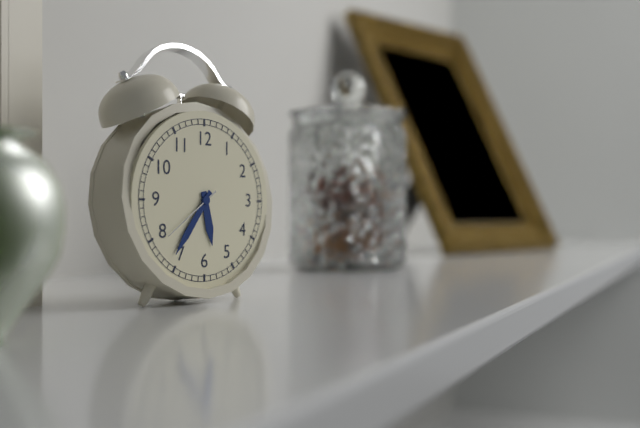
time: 5:36:39
